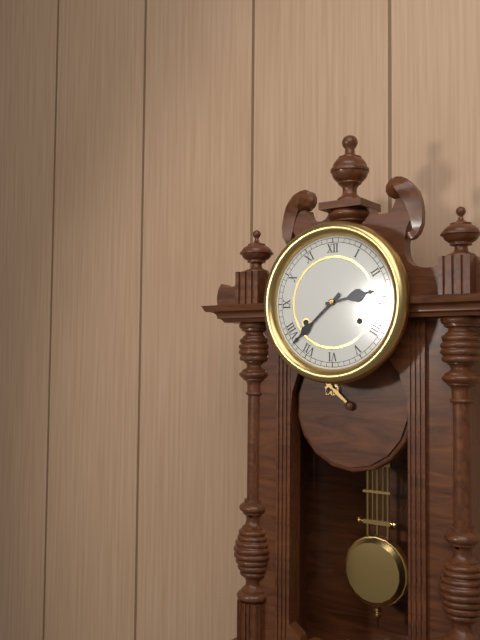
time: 2:38
